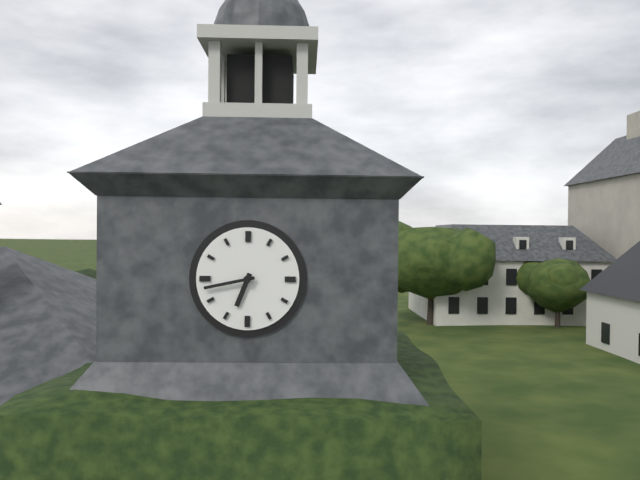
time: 6:43
